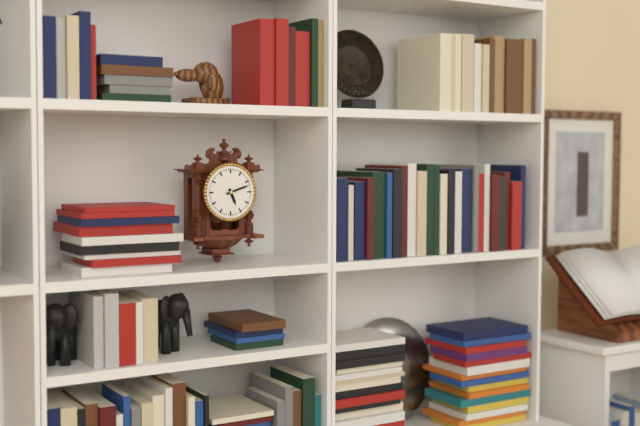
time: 5:12
